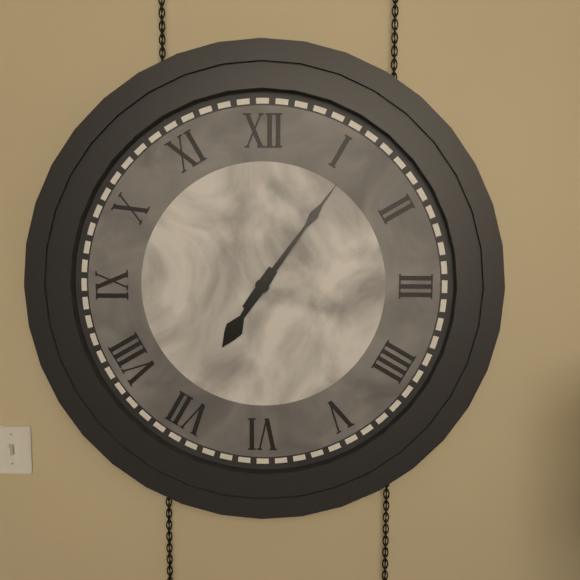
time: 7:06
